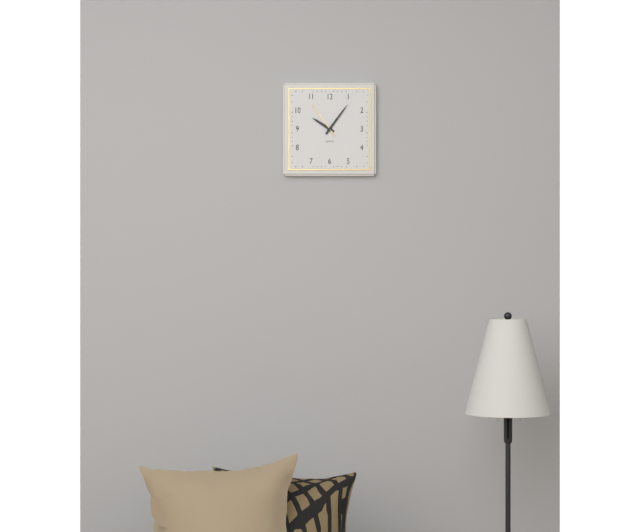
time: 10:06
